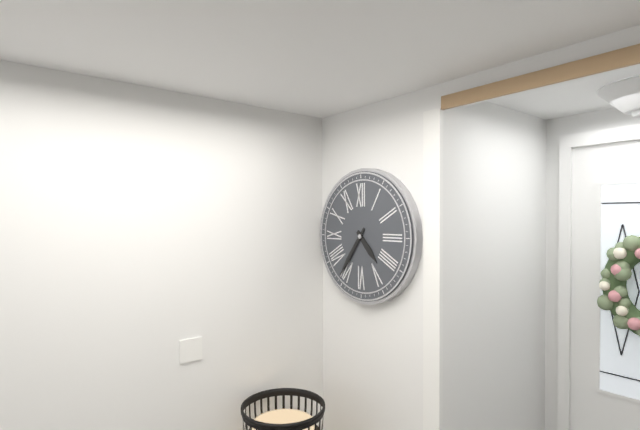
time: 4:36
